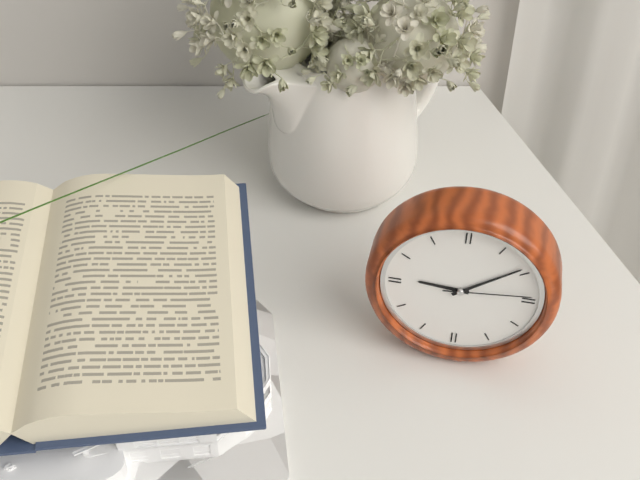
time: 9:09:14
